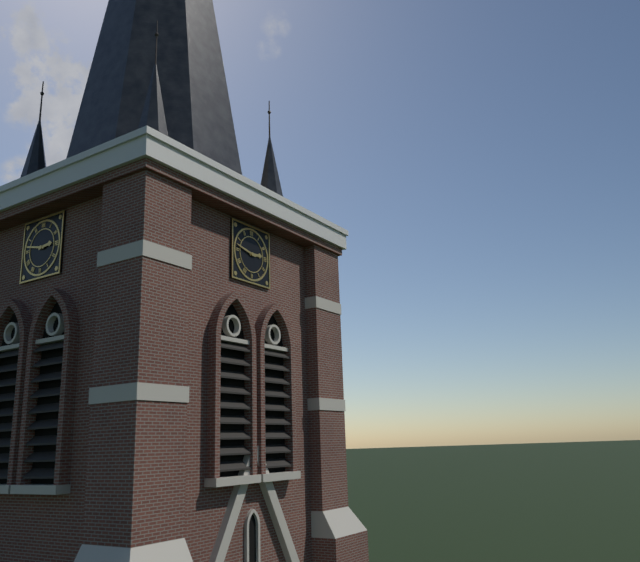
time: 2:47
